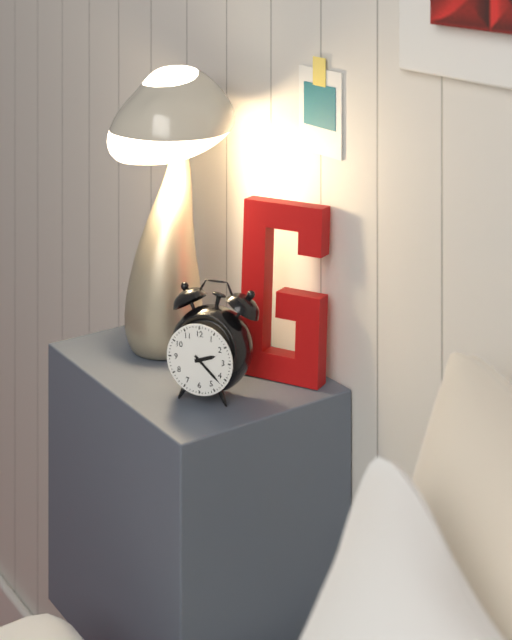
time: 2:22
